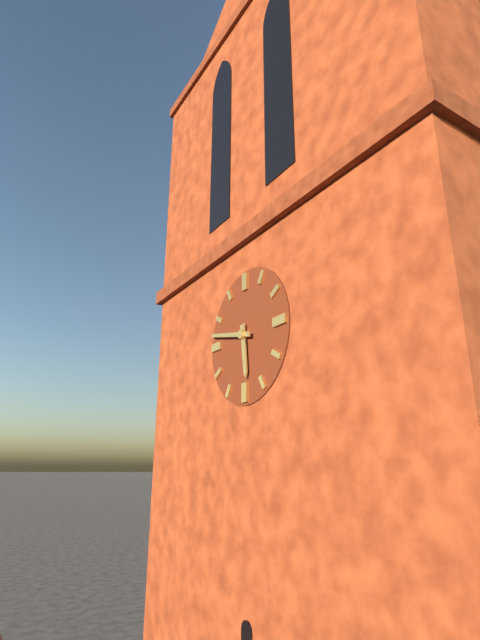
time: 5:47
